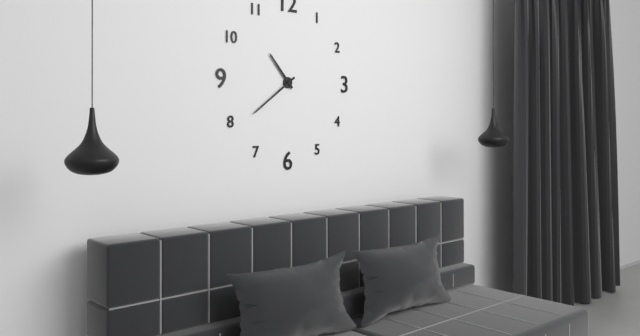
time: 10:39
